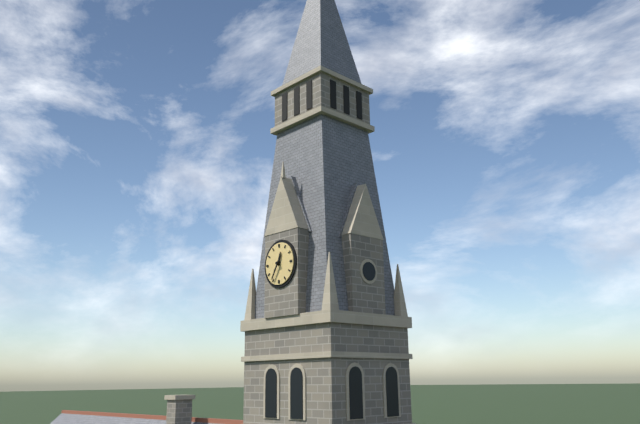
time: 12:35
